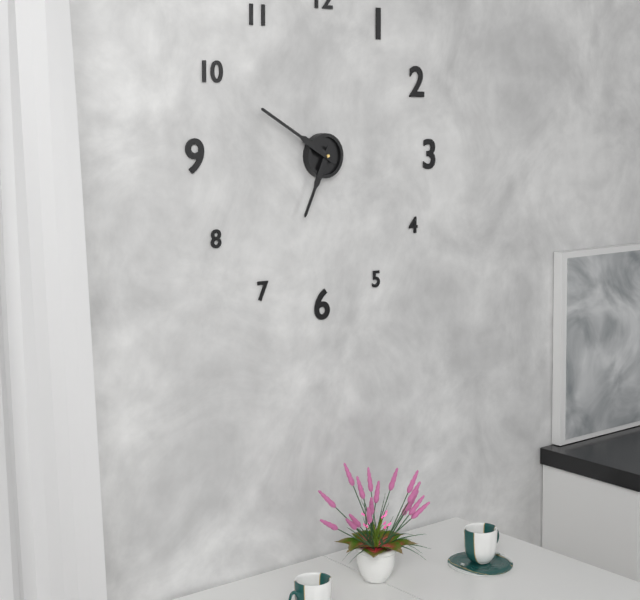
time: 6:50
